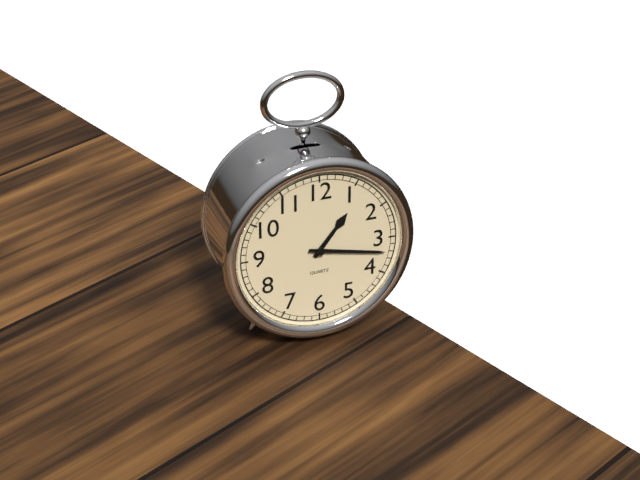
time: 1:17
